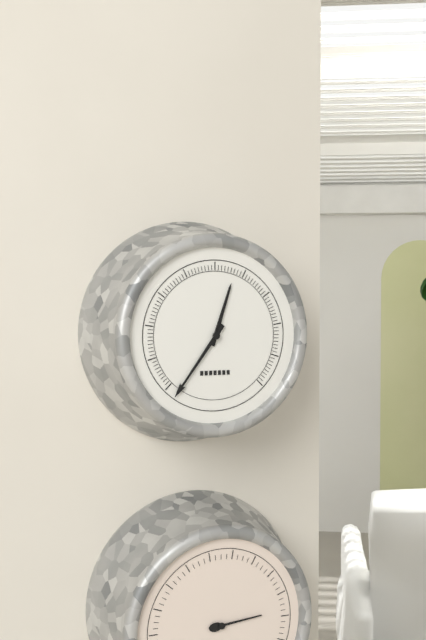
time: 12:36
